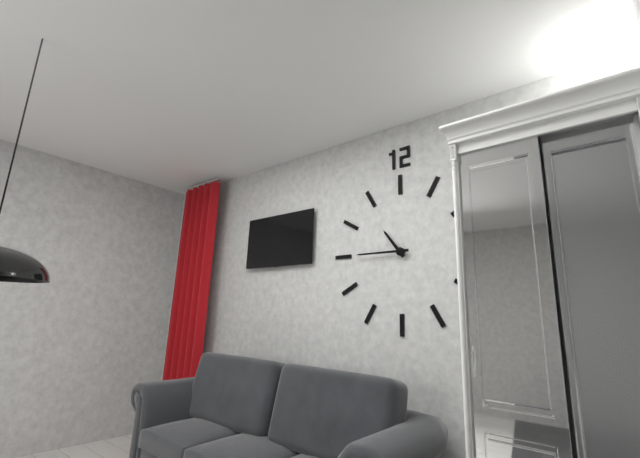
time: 10:45
